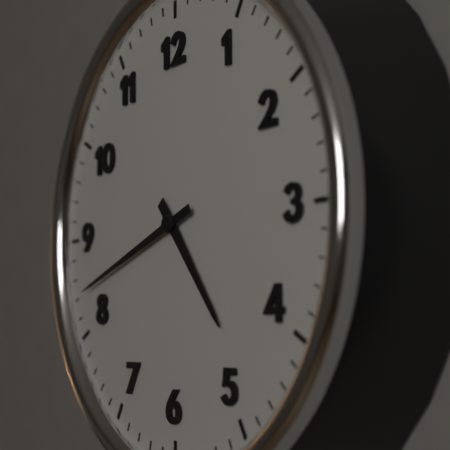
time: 4:42
